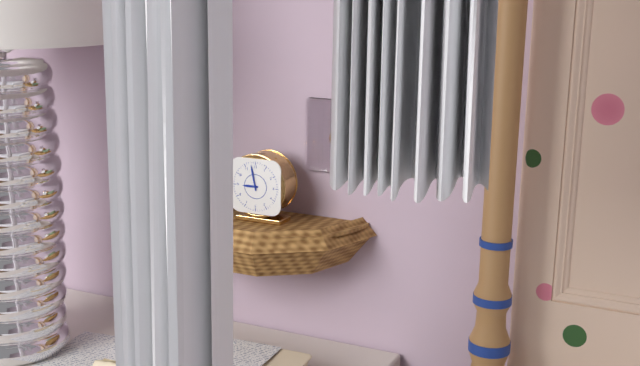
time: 8:58
